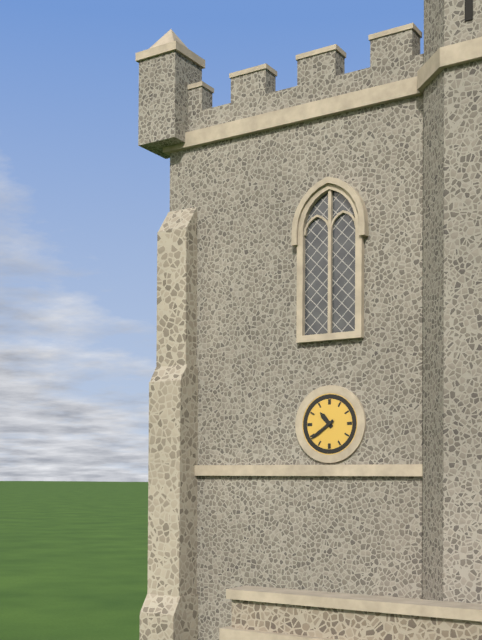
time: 10:39
